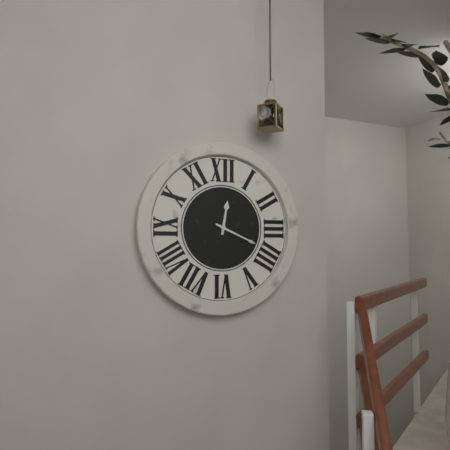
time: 12:19
